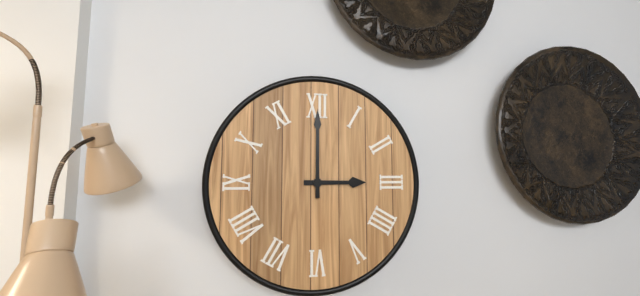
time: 3:00
